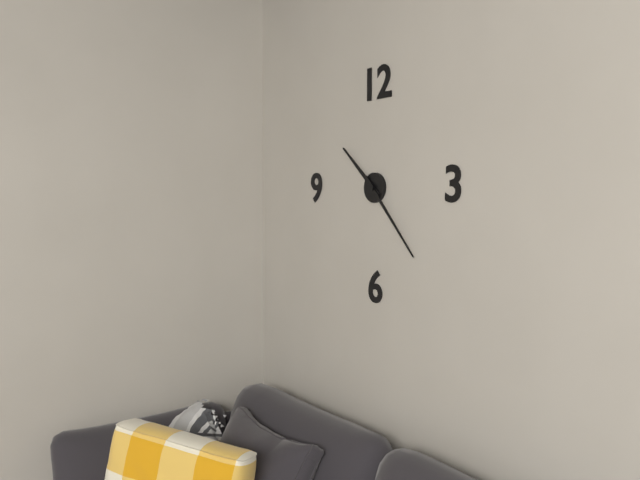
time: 10:23
